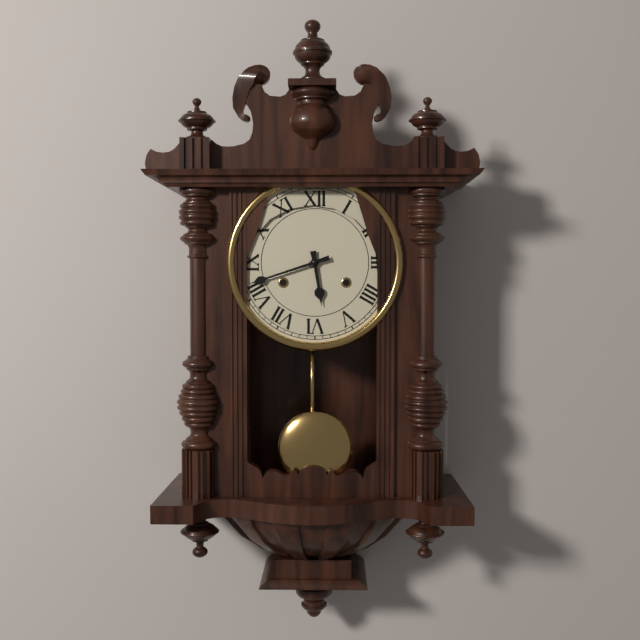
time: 5:42
